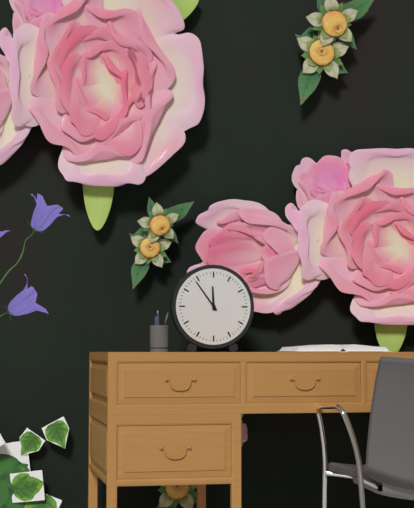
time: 11:54
